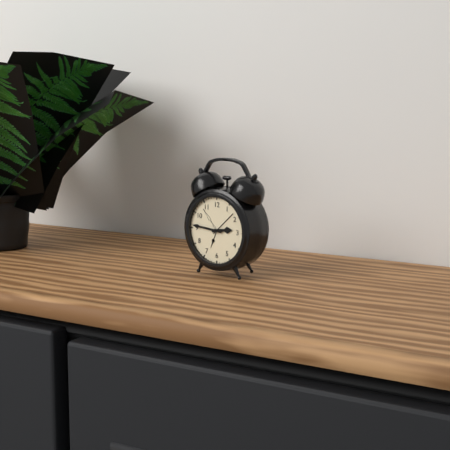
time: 2:46
